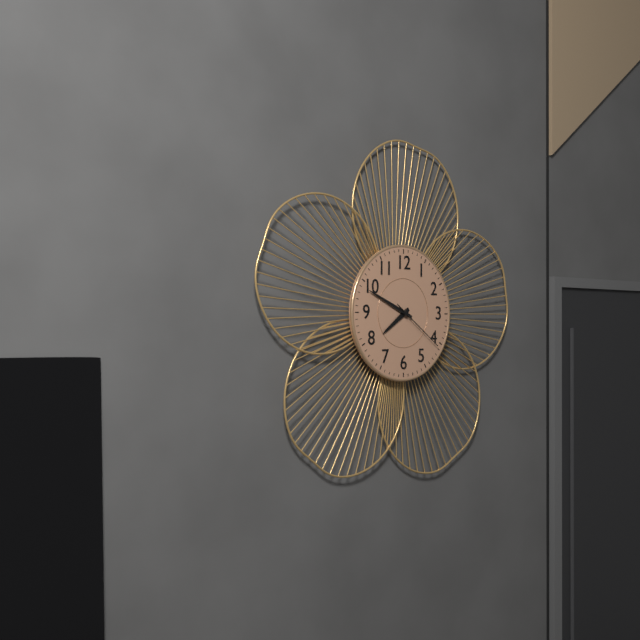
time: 7:49:21
